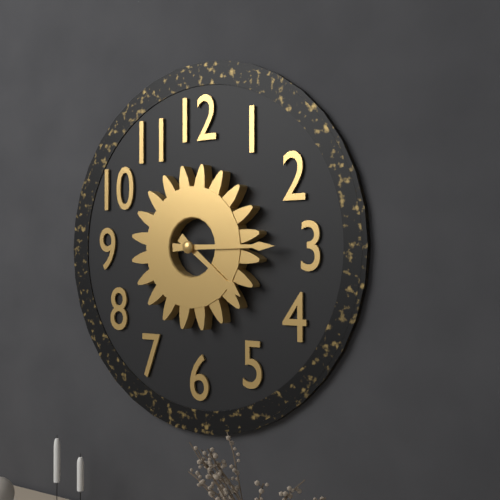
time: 4:15
